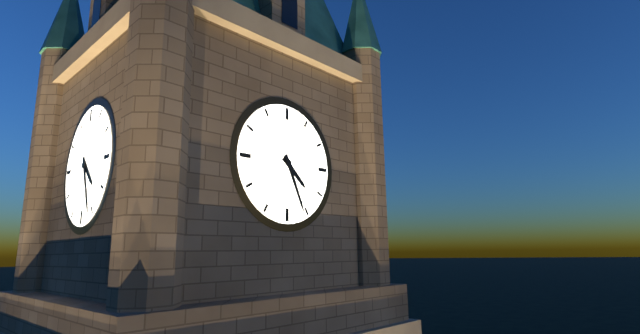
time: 4:26
